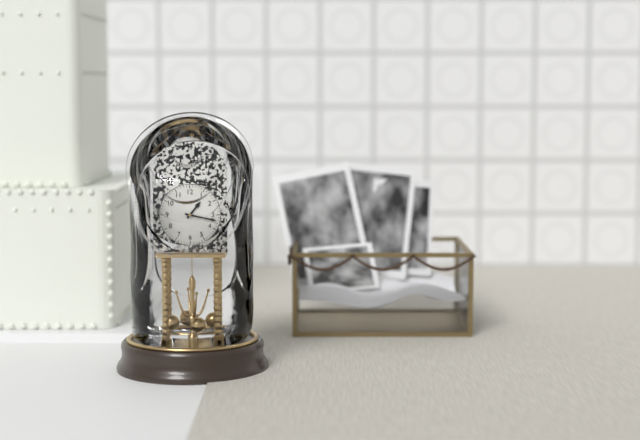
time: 1:17
